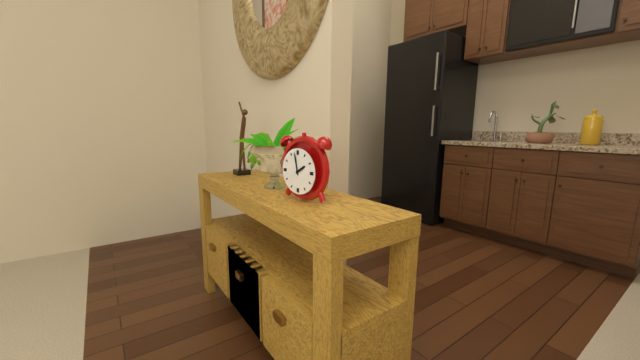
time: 1:58
